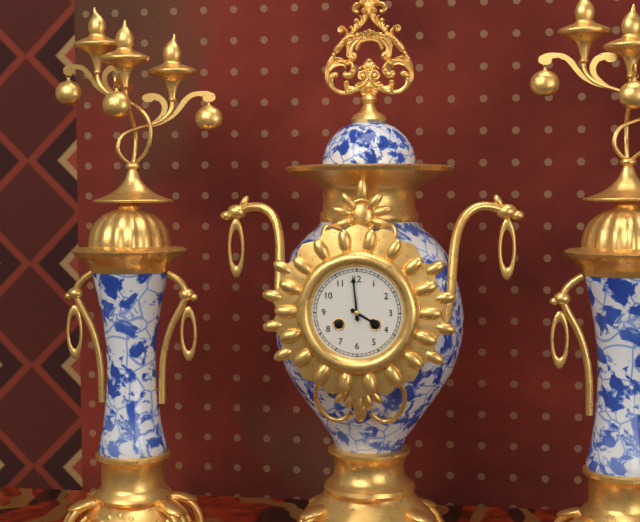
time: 3:59
